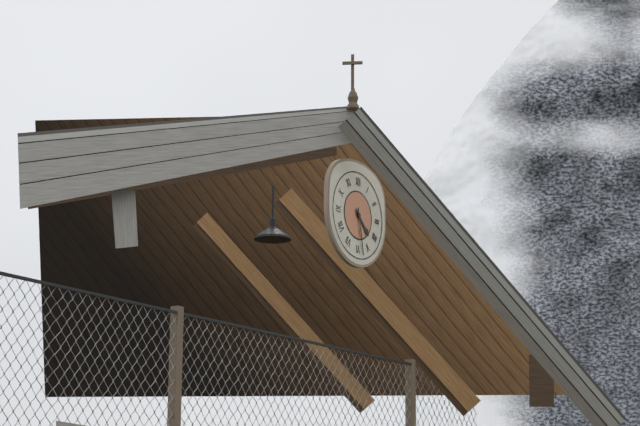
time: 4:28
